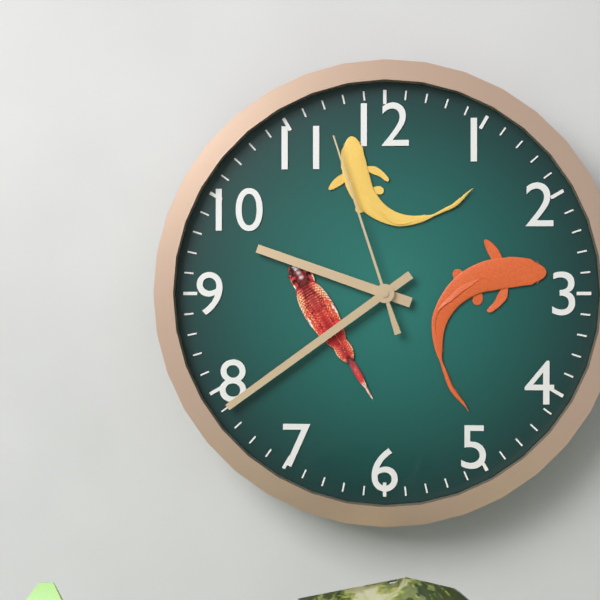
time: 9:39:57
